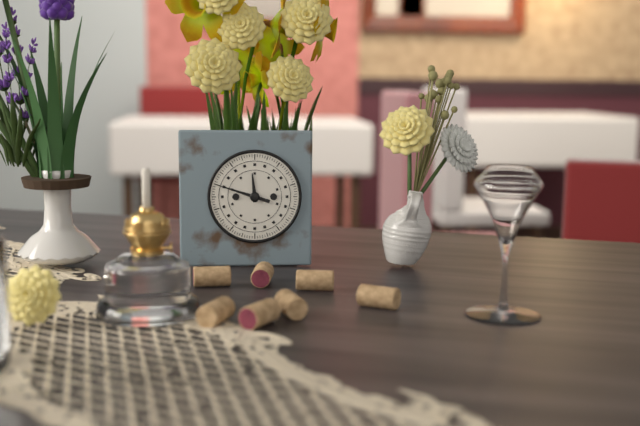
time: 11:48
